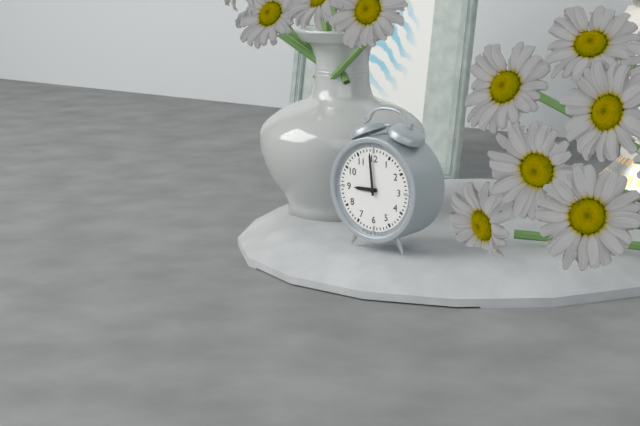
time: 8:59
